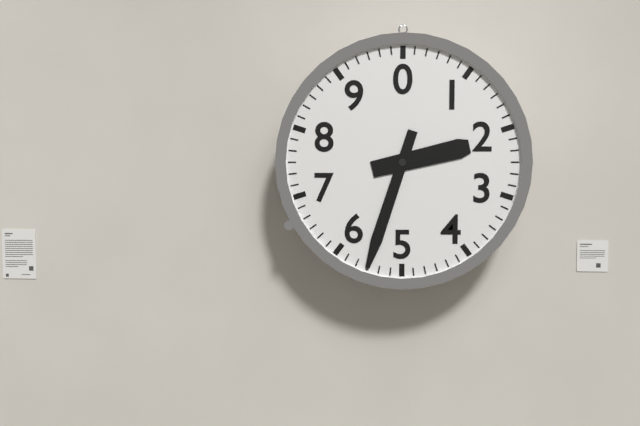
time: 2:33
